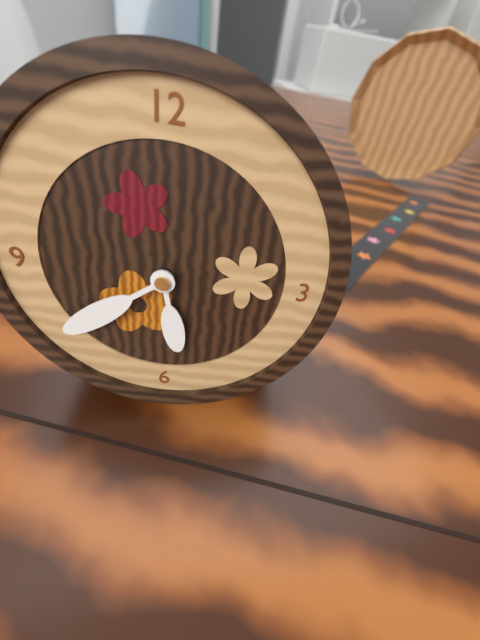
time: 5:39
